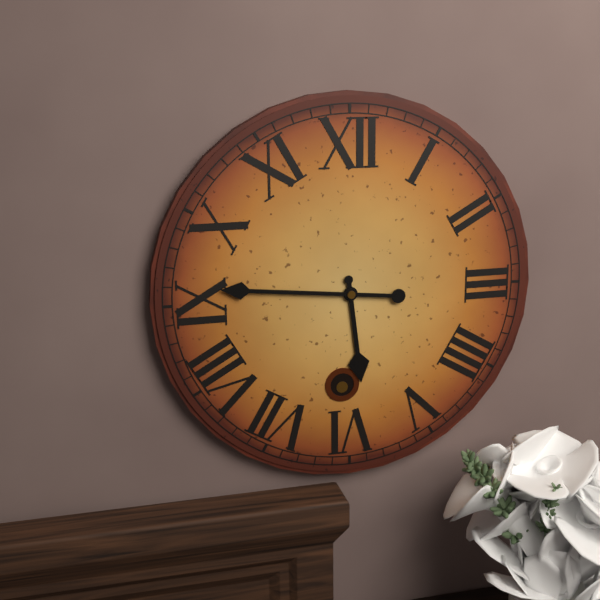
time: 5:46
